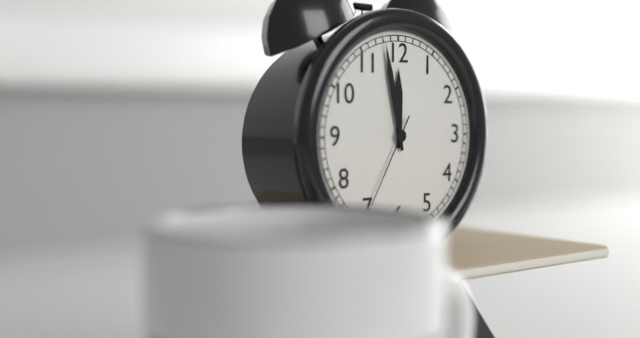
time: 11:58:35
